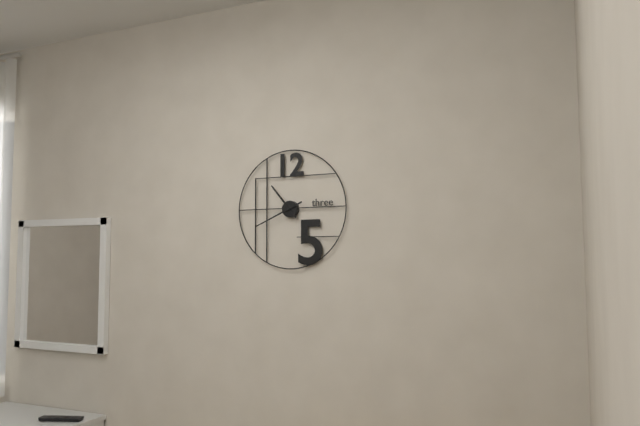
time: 10:41
